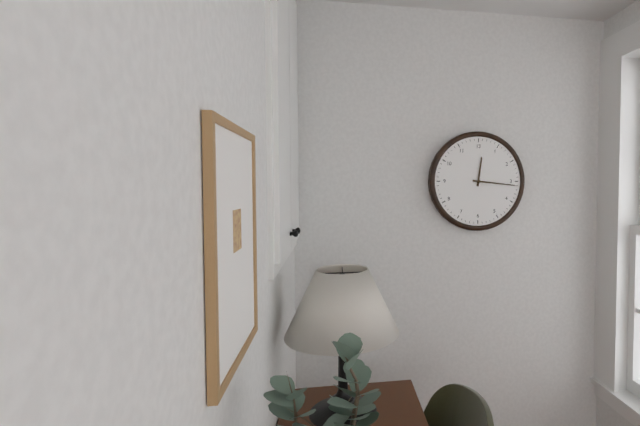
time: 12:16
